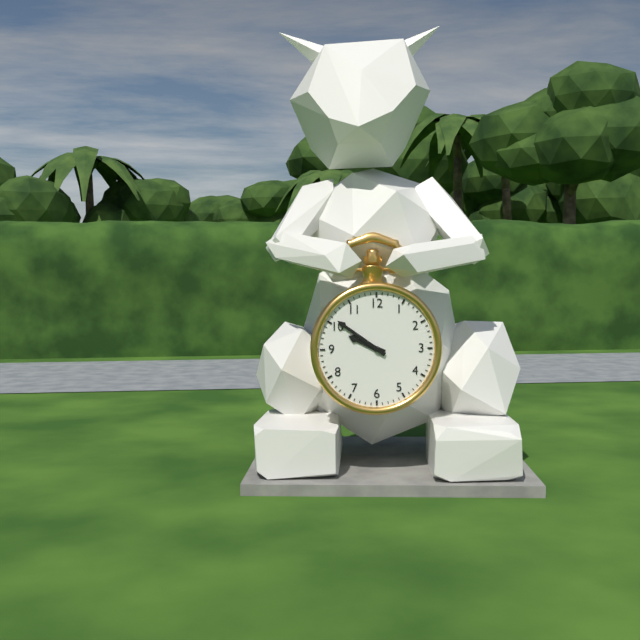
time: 9:51
